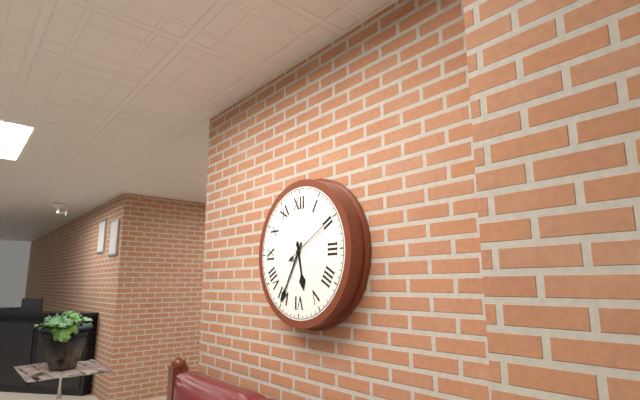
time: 5:35:10
